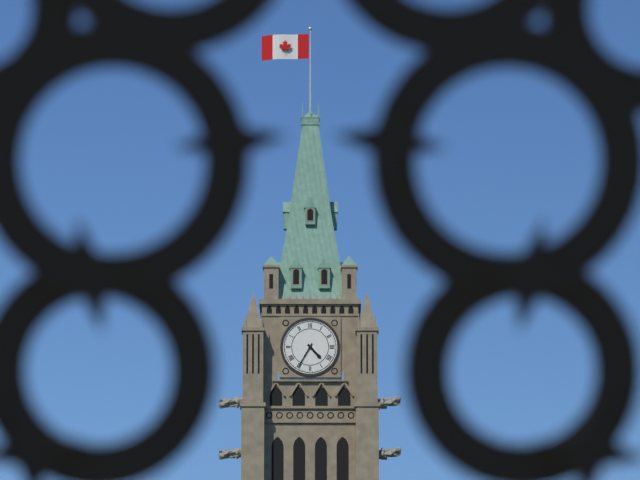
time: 4:35
